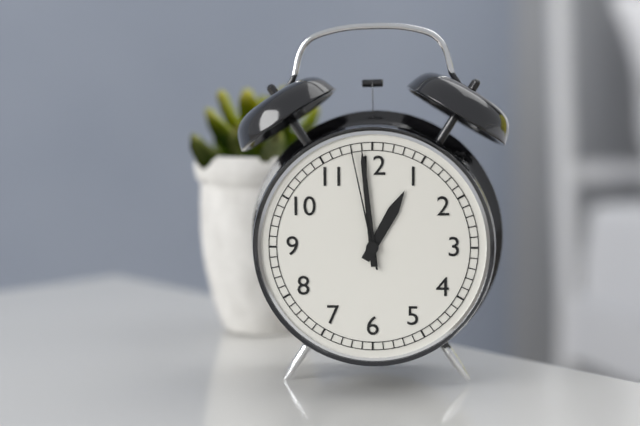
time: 12:59:58
